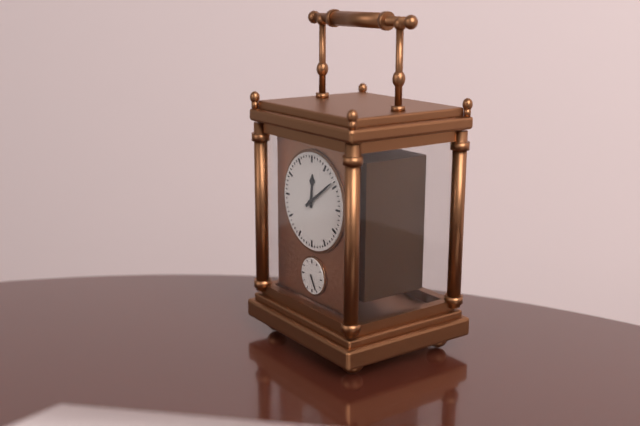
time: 12:09
